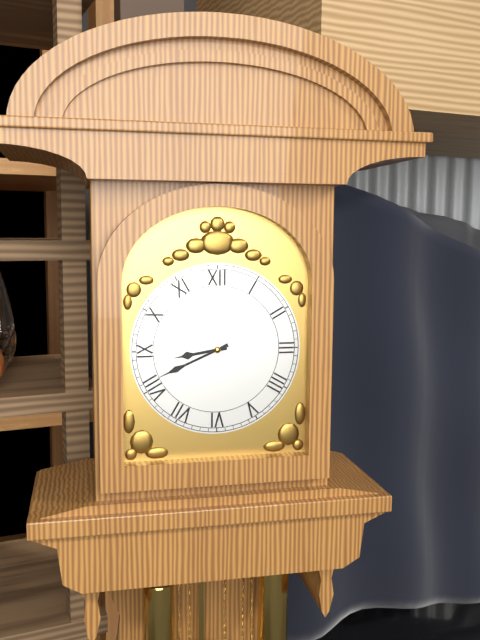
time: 8:41
